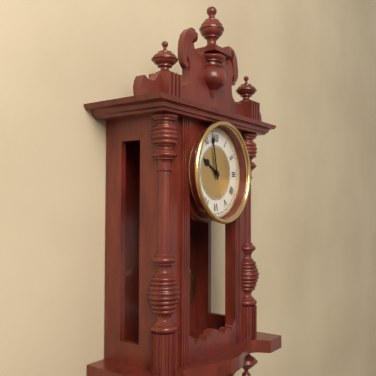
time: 9:58
